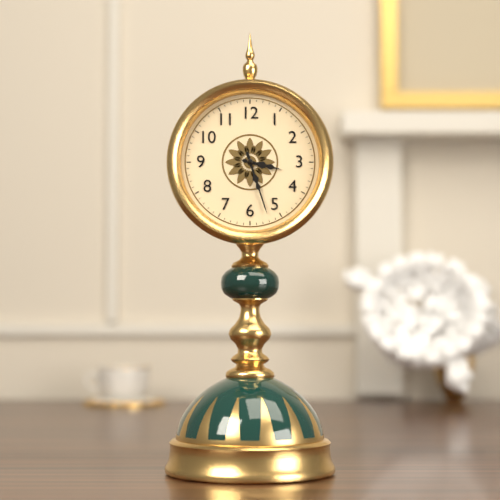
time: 3:27
